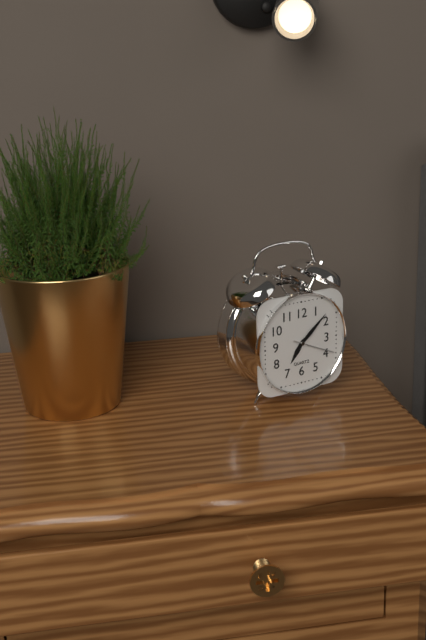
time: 7:08
